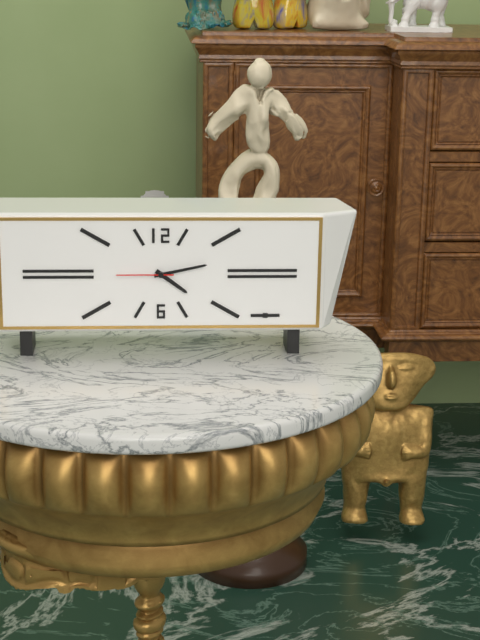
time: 4:13:45
